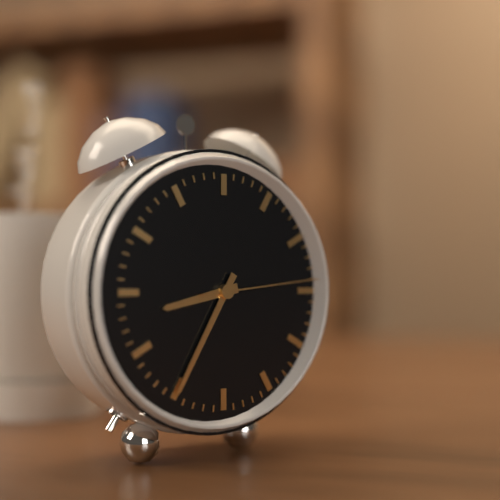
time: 8:35:14
